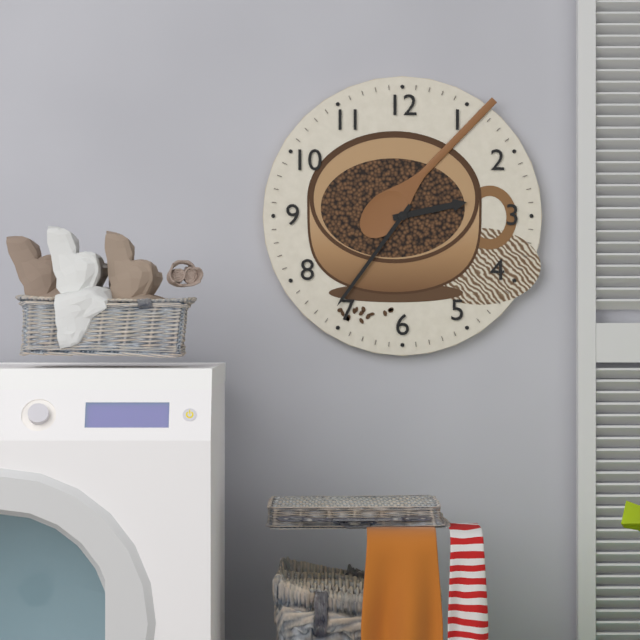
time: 2:36
